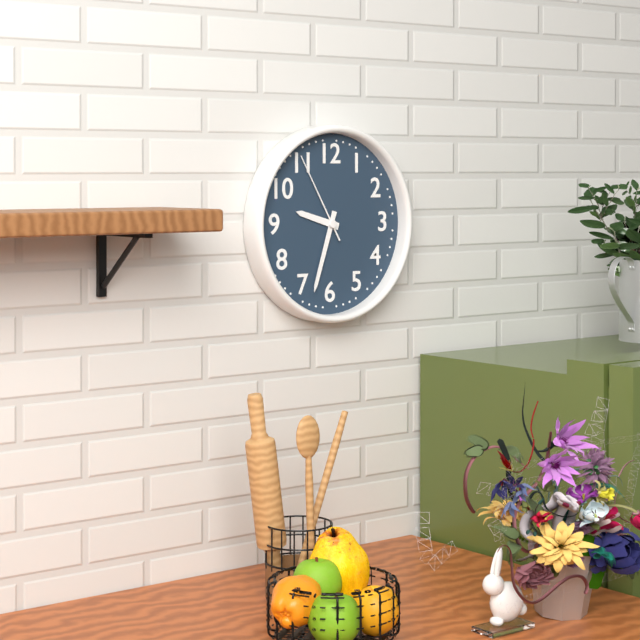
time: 9:33:55
